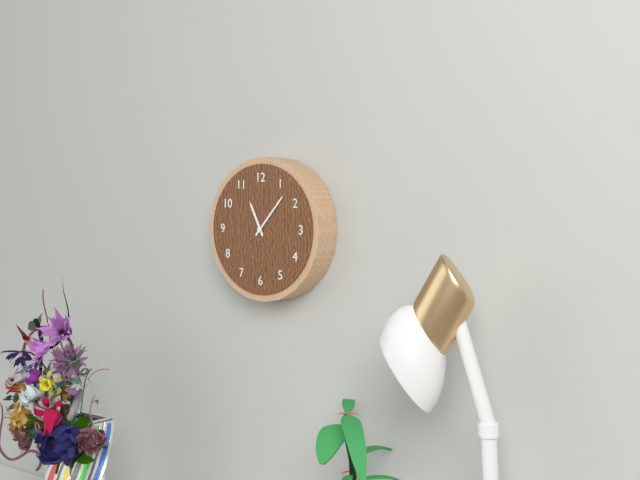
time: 11:07
